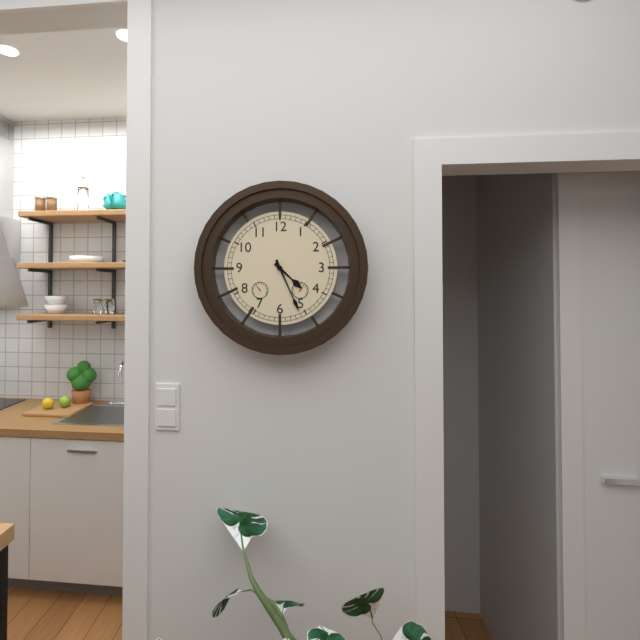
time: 4:26
